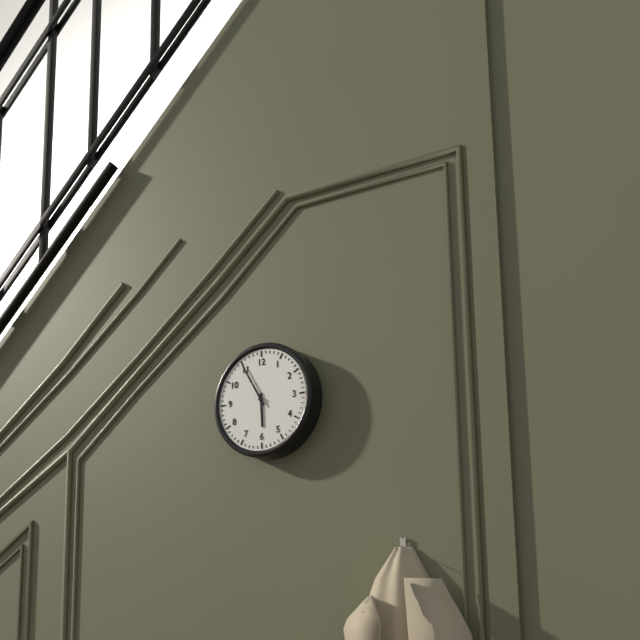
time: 5:55
